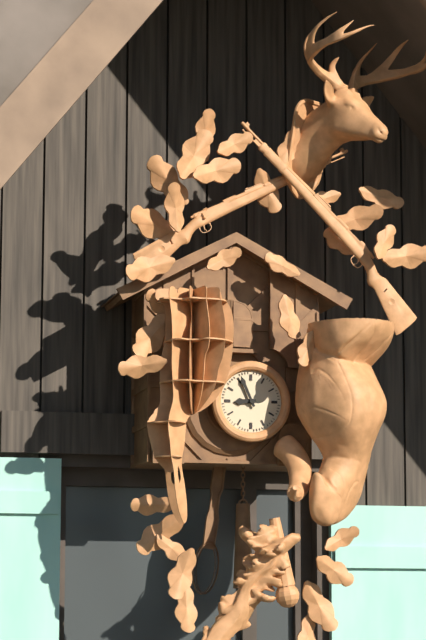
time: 8:56
